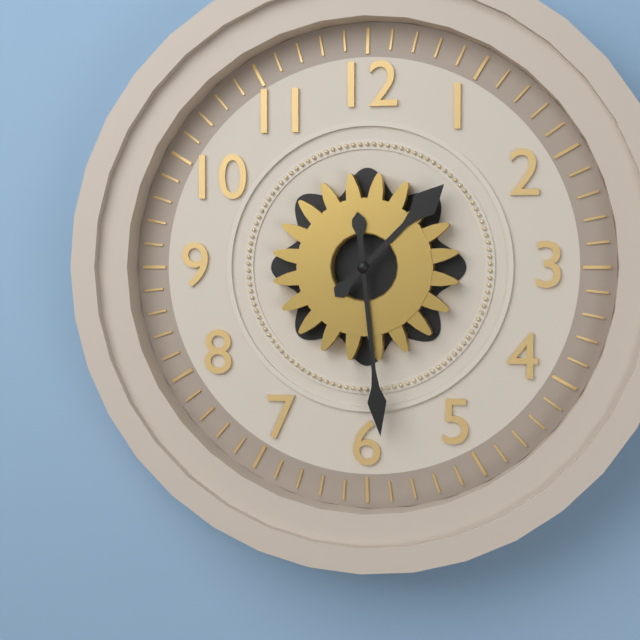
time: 1:29
